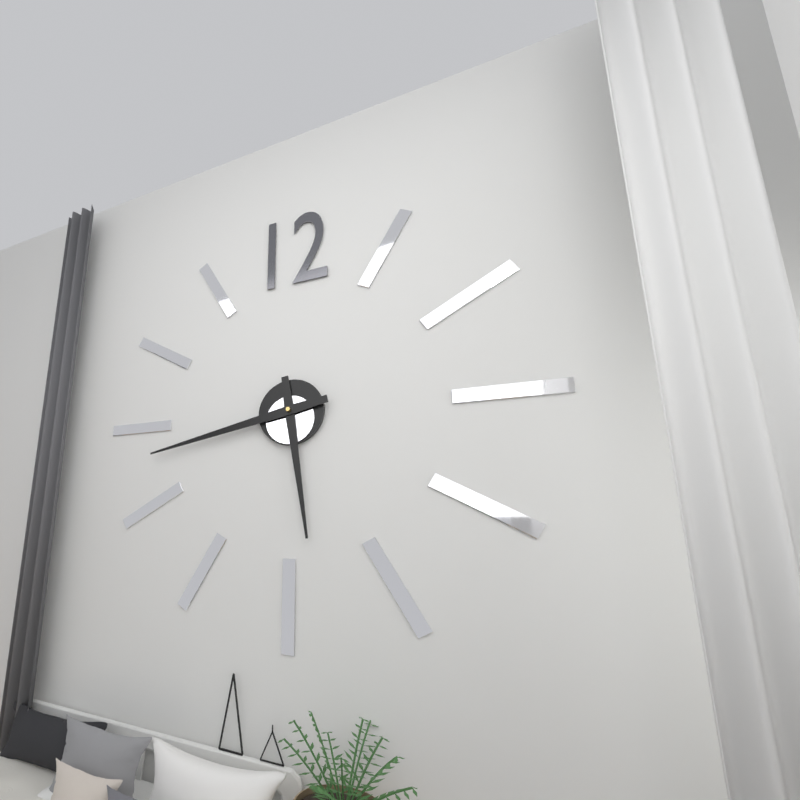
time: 5:43
